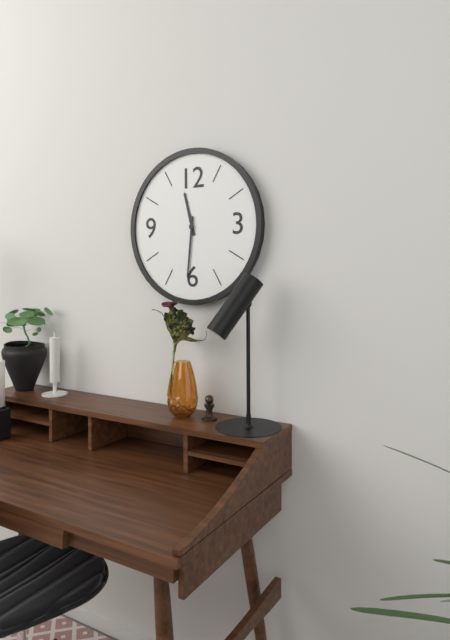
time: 11:31
